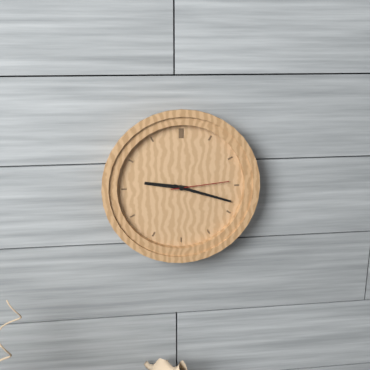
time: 9:18:14
